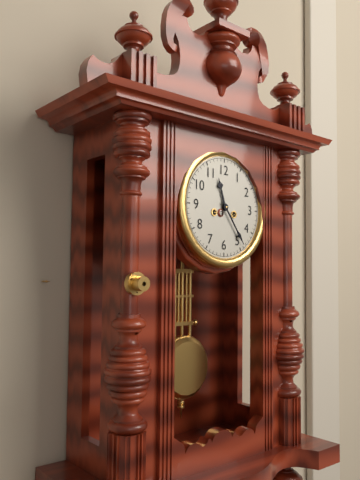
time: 11:24
